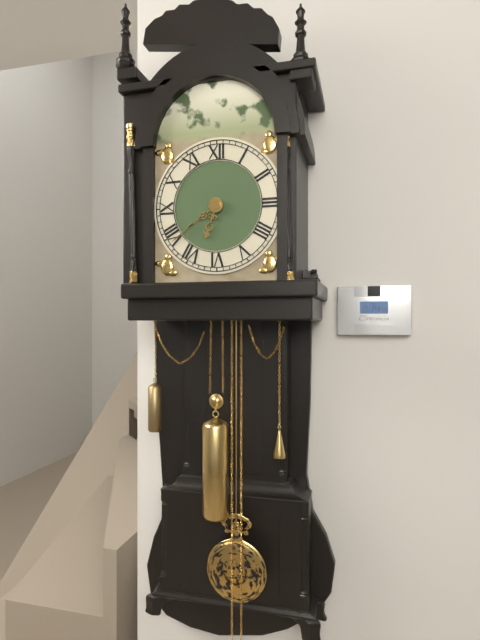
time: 6:39
